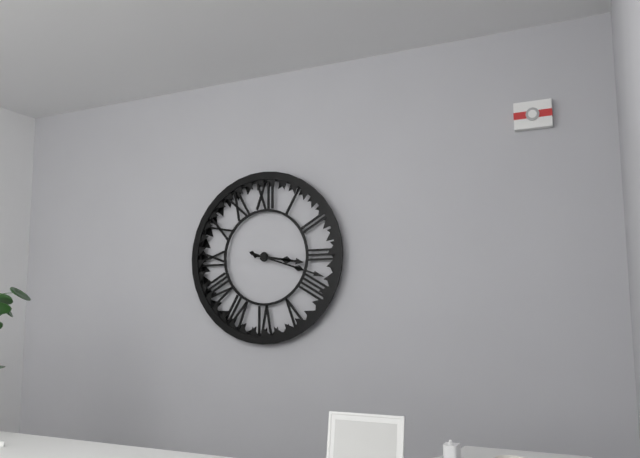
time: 3:18
